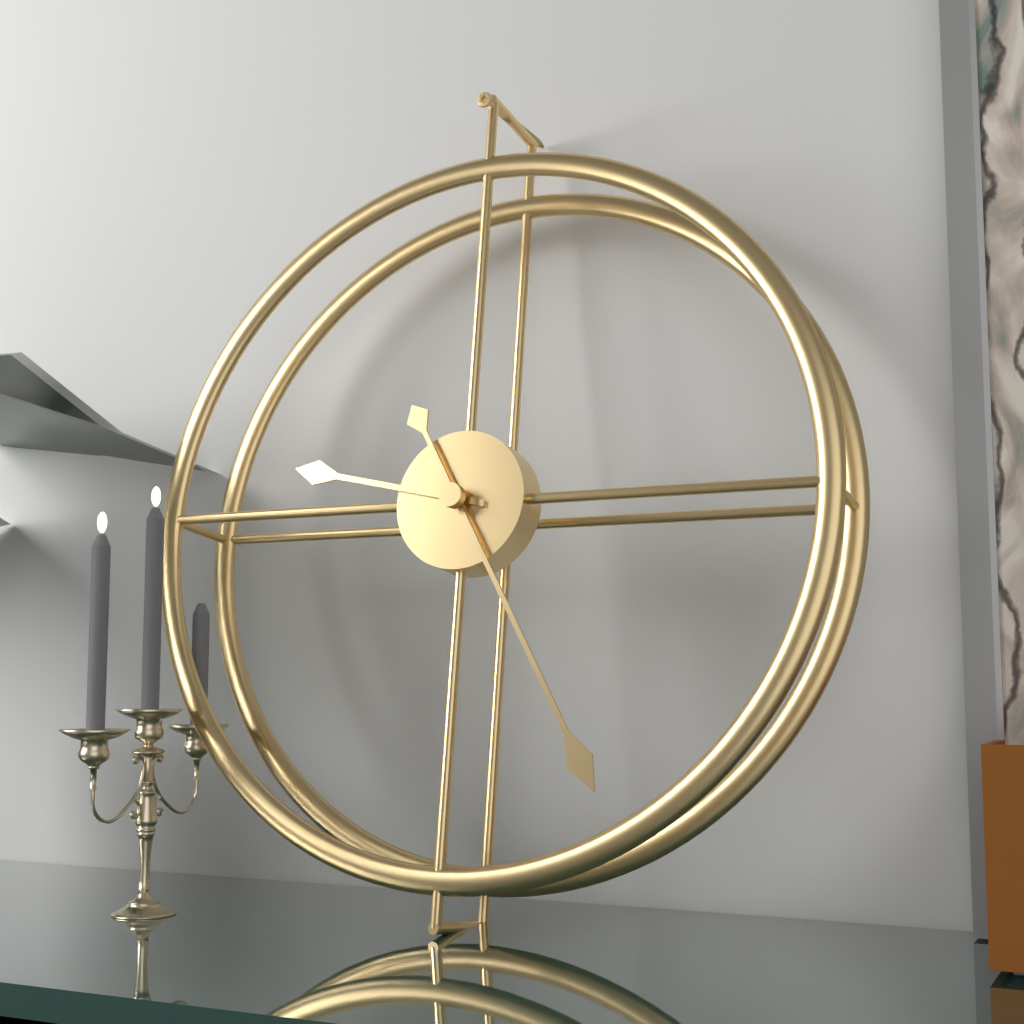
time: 9:25
